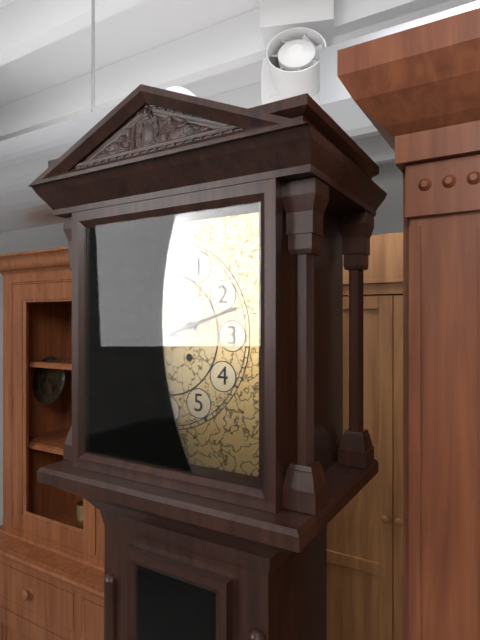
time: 9:12
